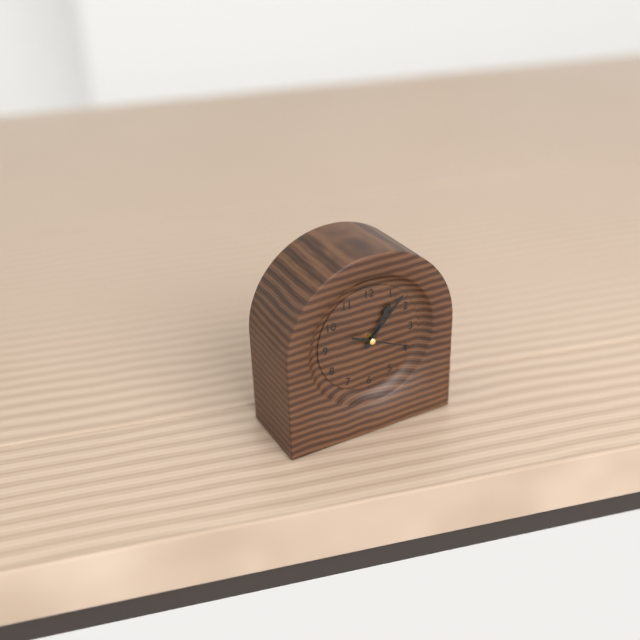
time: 1:07:19
